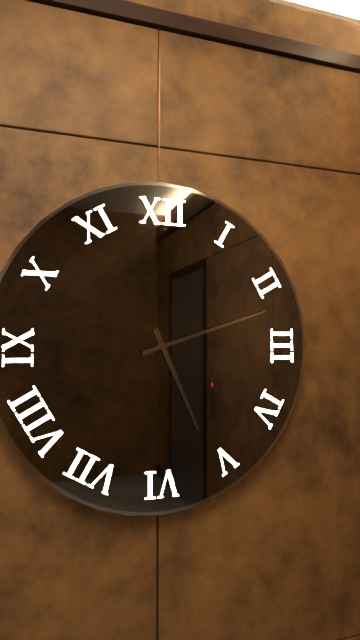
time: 5:12
